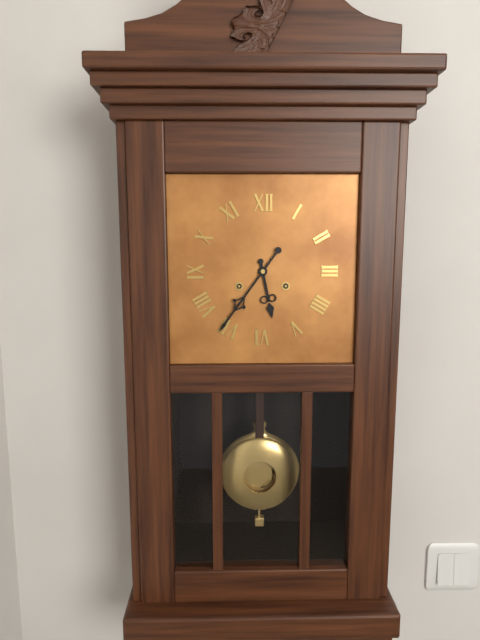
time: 5:36
